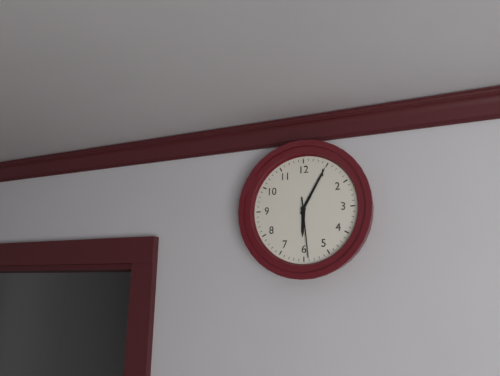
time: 6:05:29
